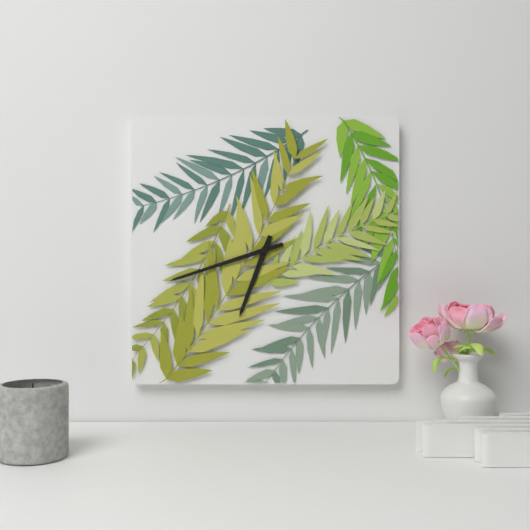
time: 6:42
